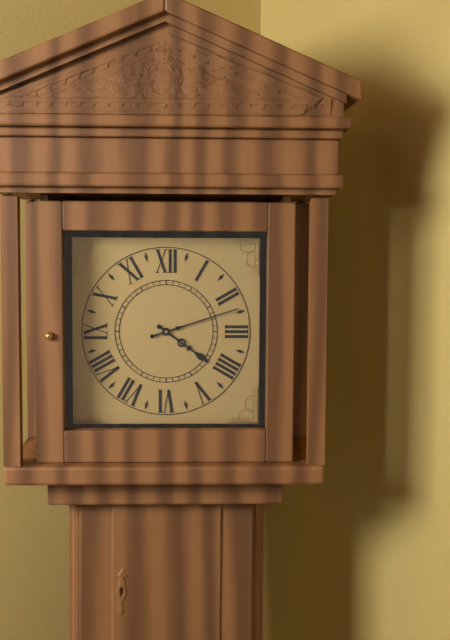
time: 4:12
